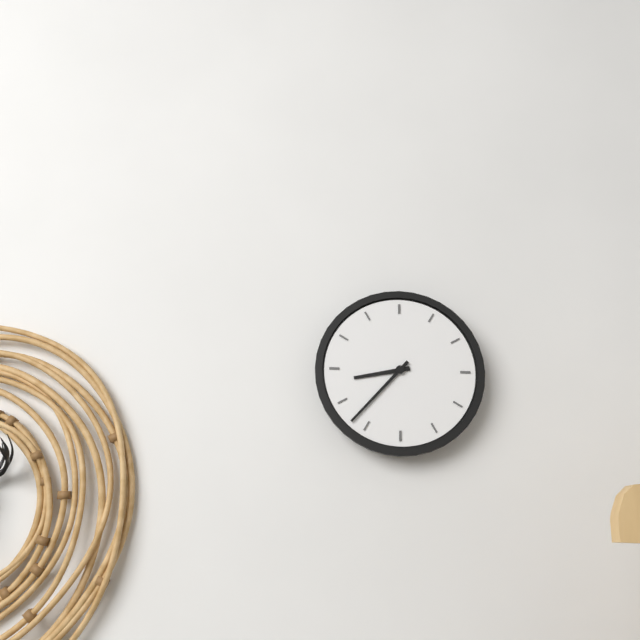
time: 8:37
